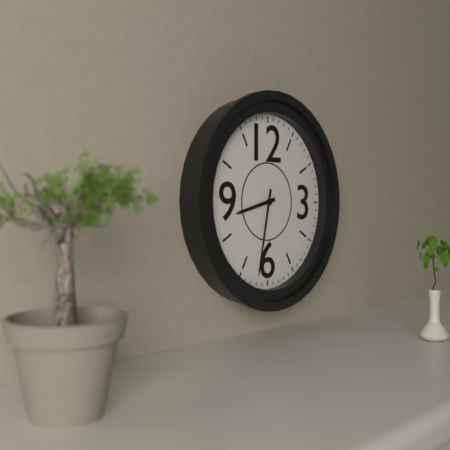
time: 8:32
